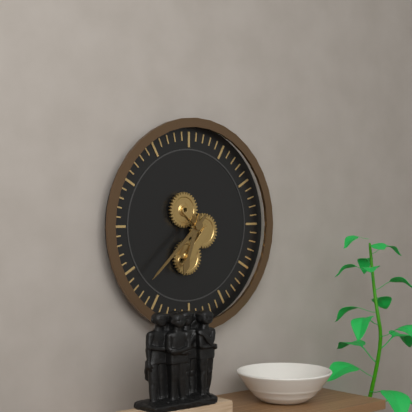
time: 6:38
